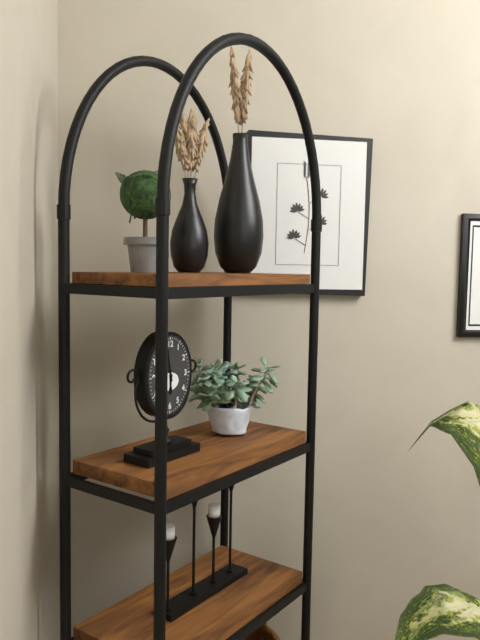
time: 5:58
